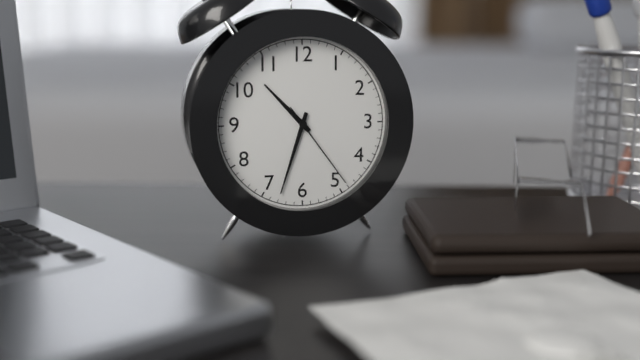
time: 10:33:24
